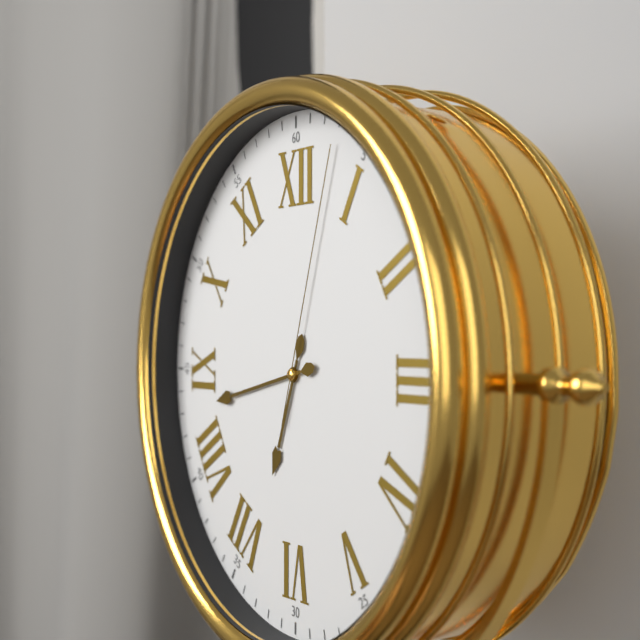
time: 6:43:03
